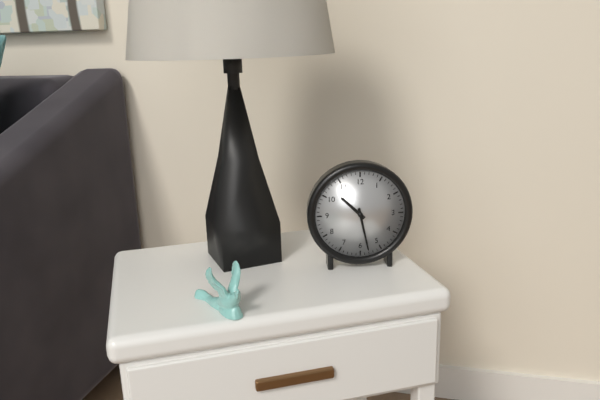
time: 10:28
